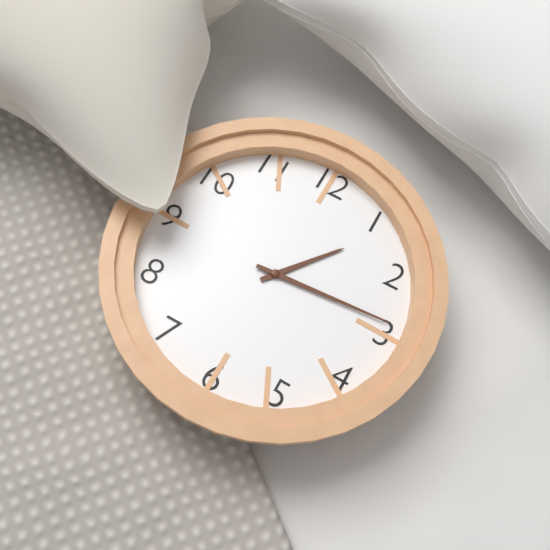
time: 1:14
